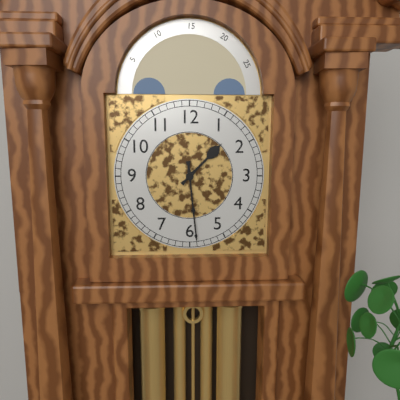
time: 1:29
